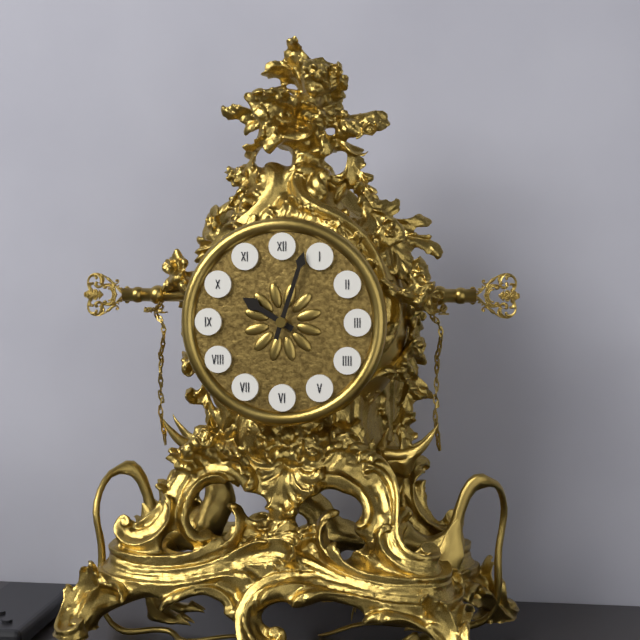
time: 10:03
